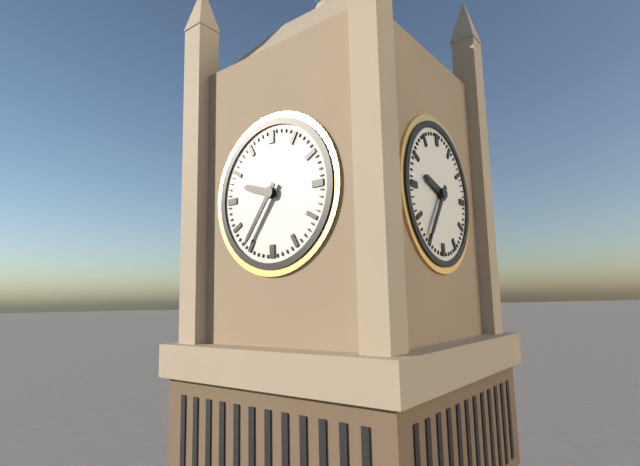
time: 9:36
